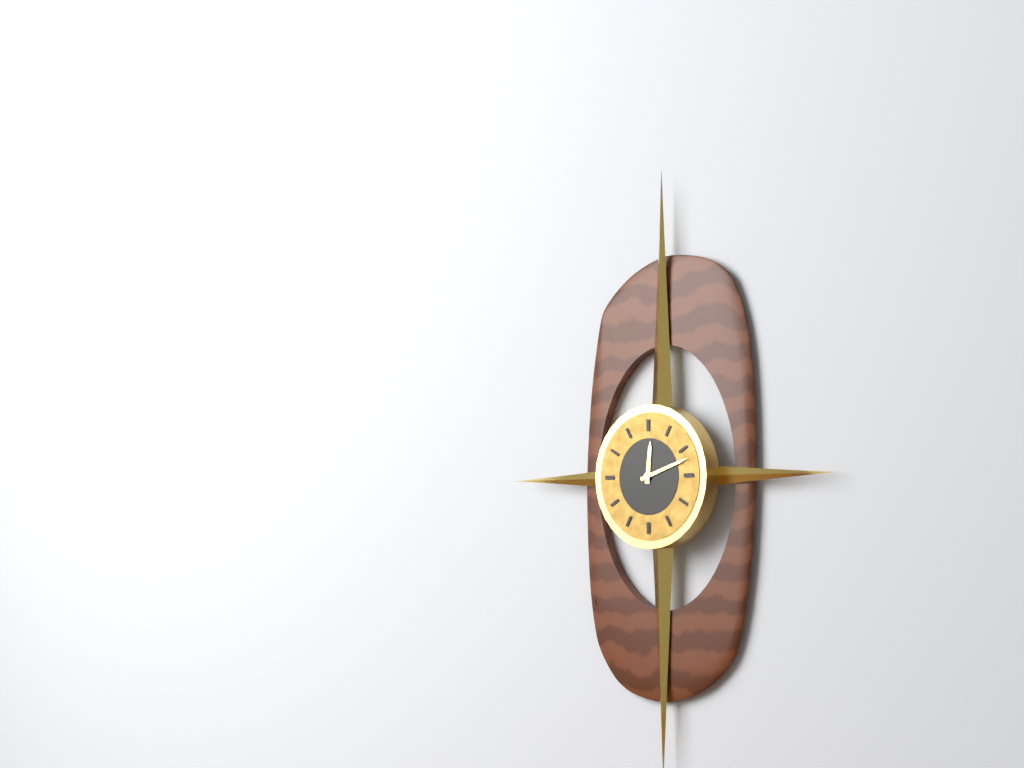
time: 12:12
